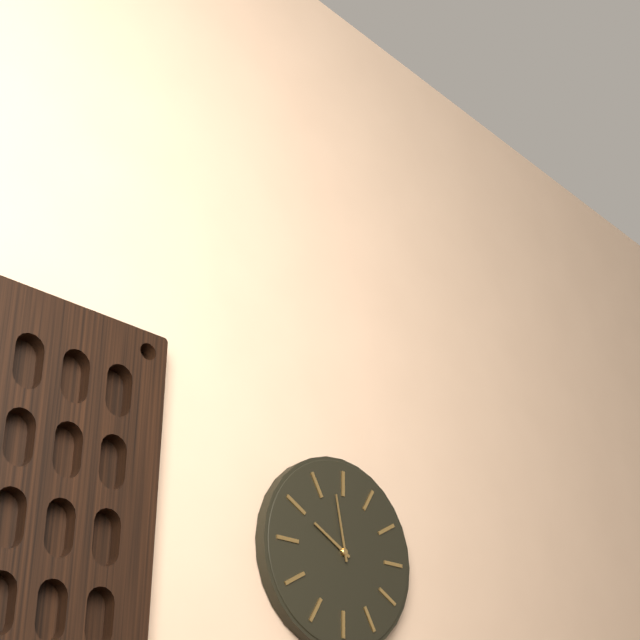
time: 9:58
